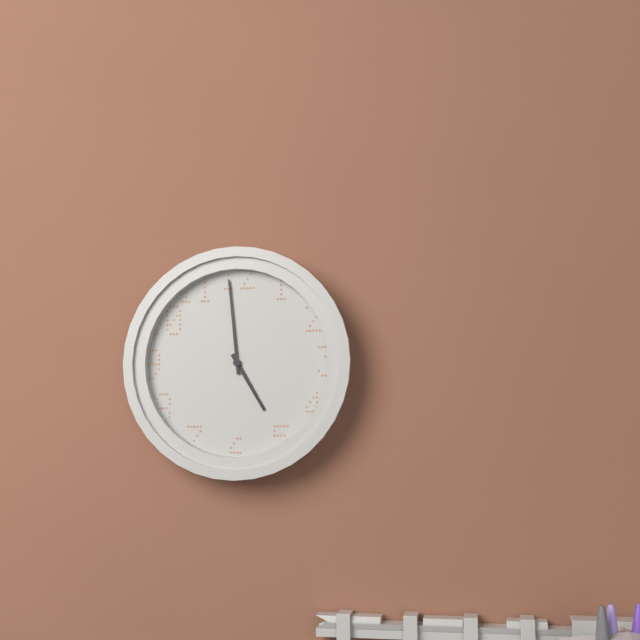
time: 4:59
